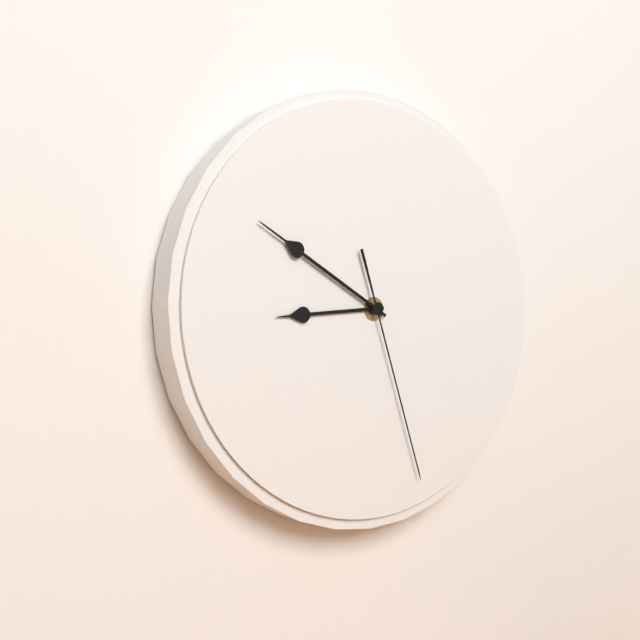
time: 8:50:27
